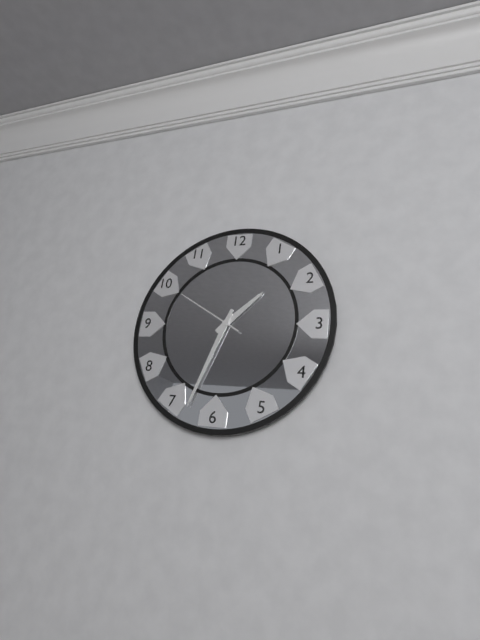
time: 1:33:50
